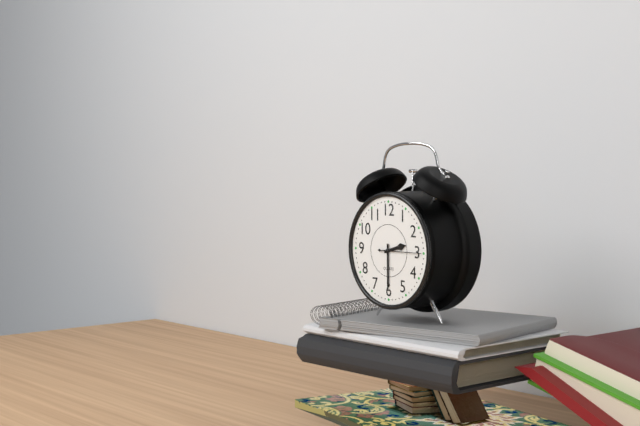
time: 2:30
